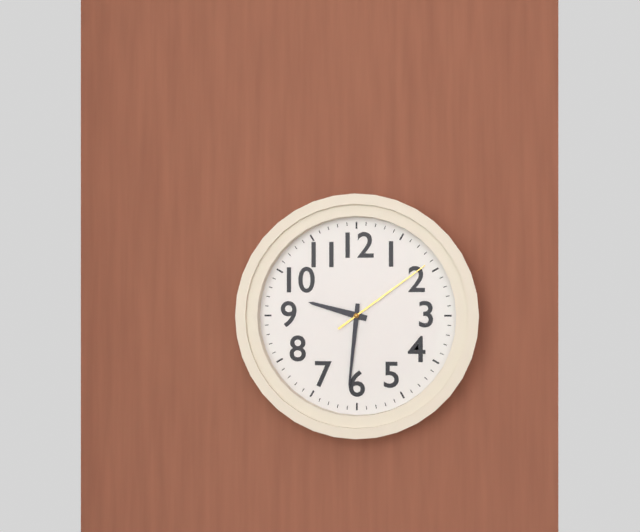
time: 9:31:09
